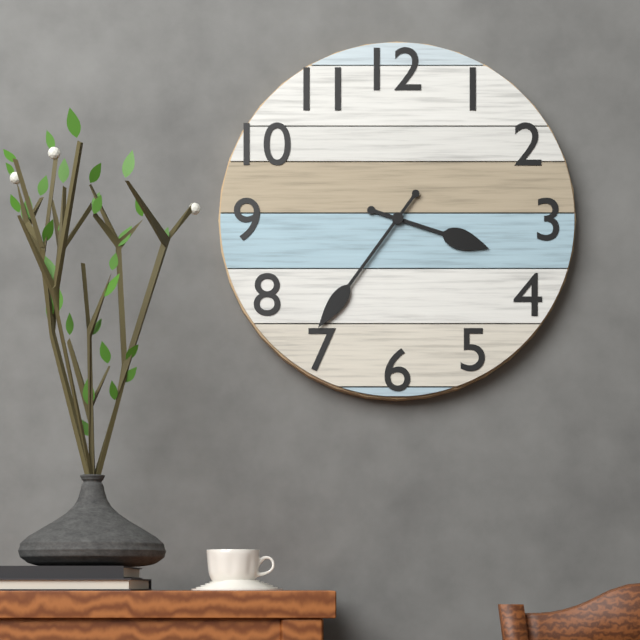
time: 3:36
